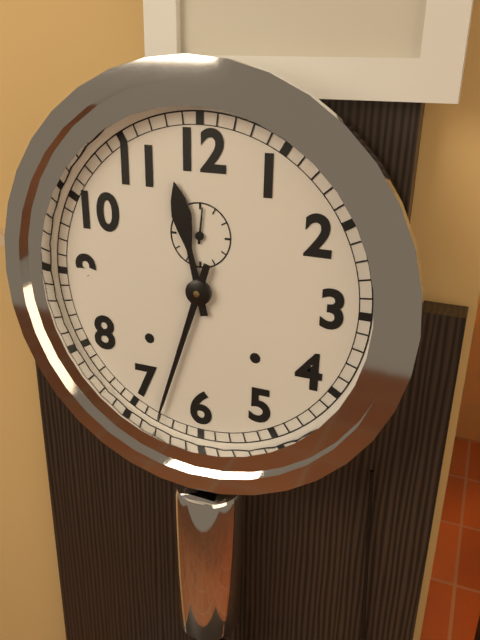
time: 11:33
